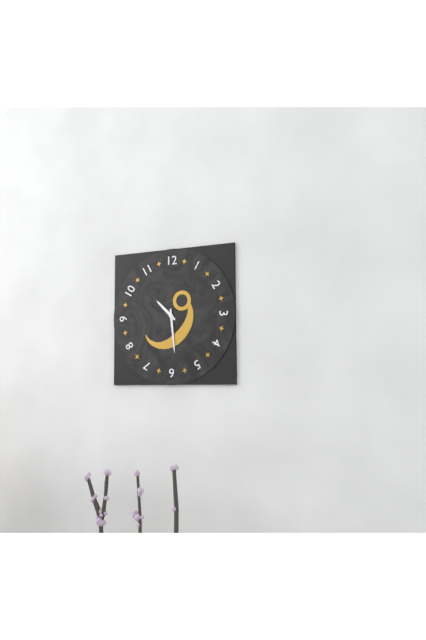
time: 10:29
